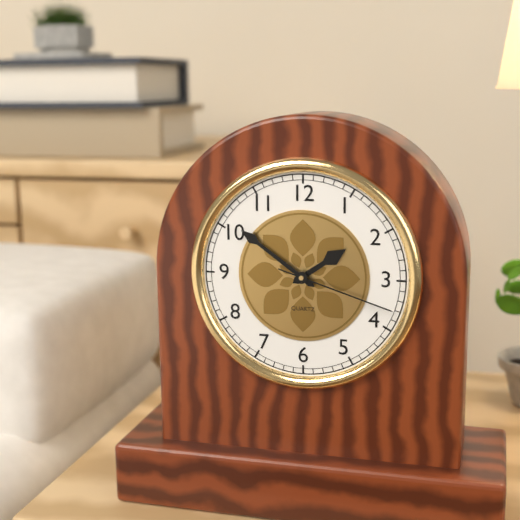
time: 1:51:18
